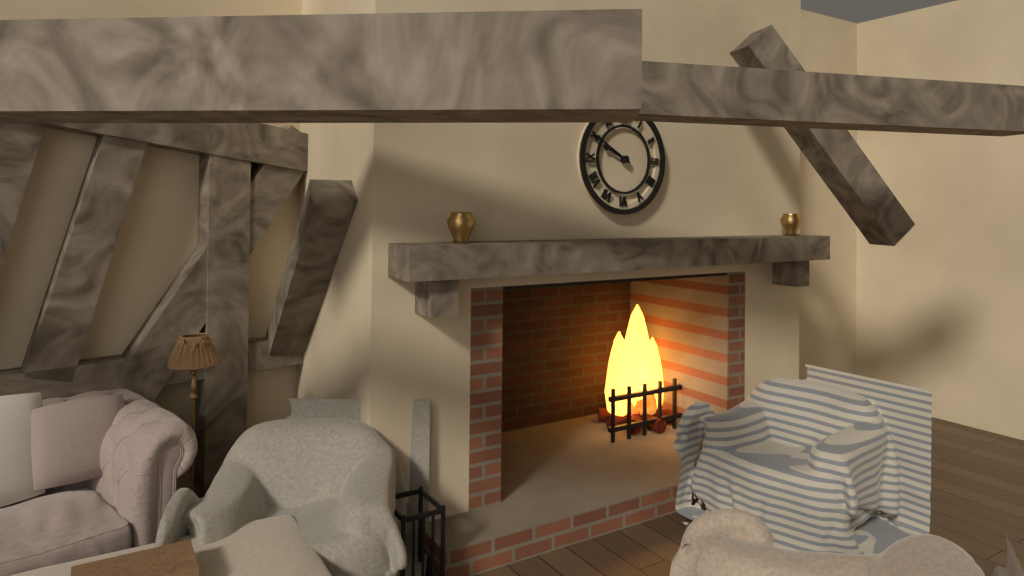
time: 9:50
